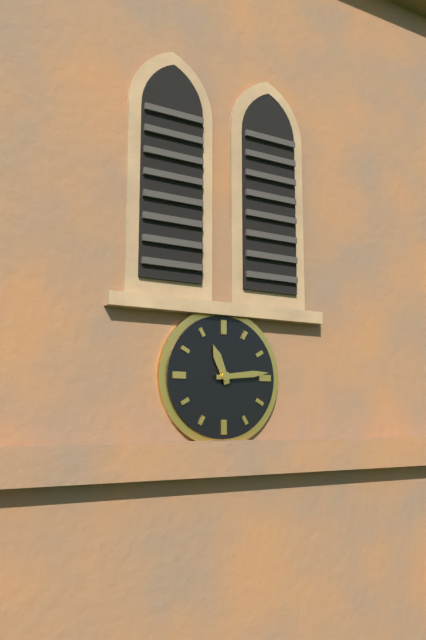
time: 11:14
